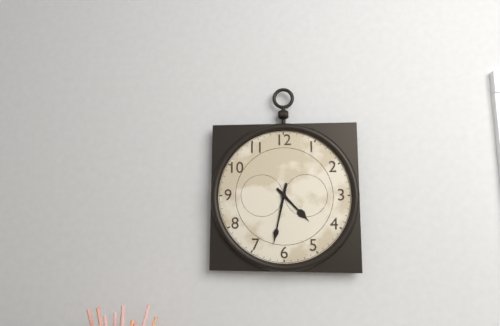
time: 4:32
